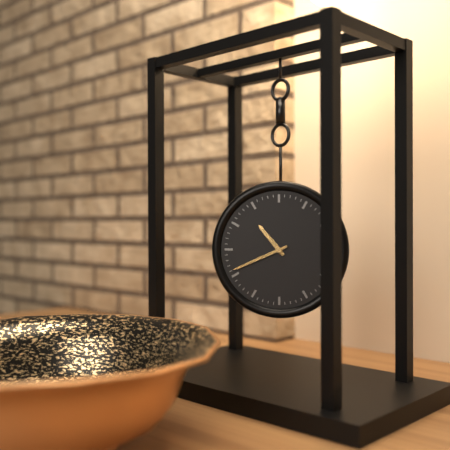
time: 10:41
